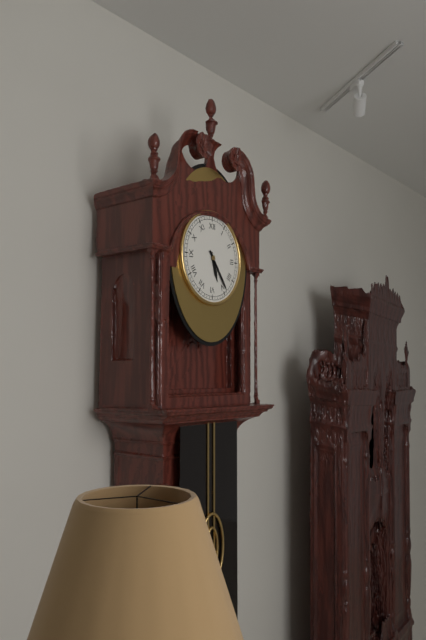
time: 5:24
